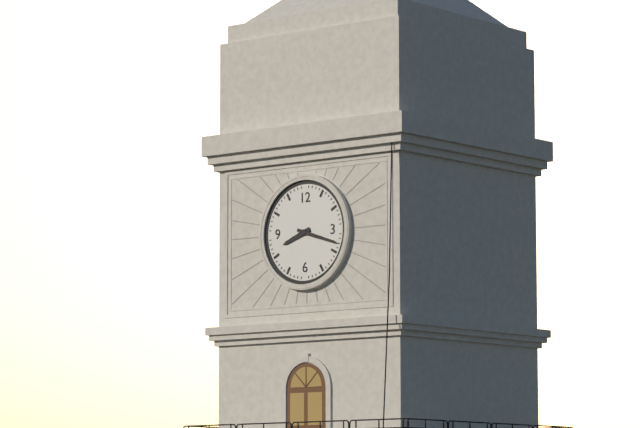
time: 8:18
